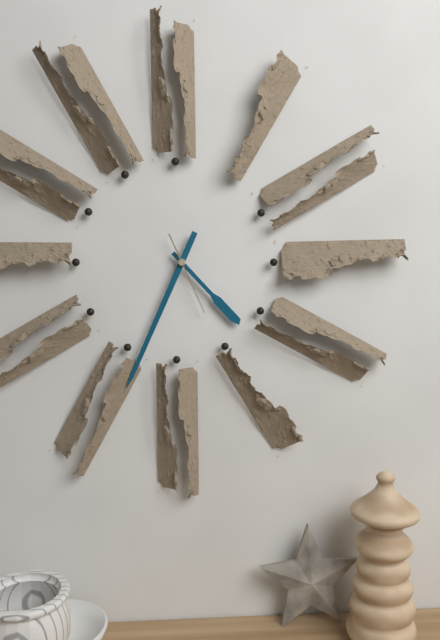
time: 4:34:26
